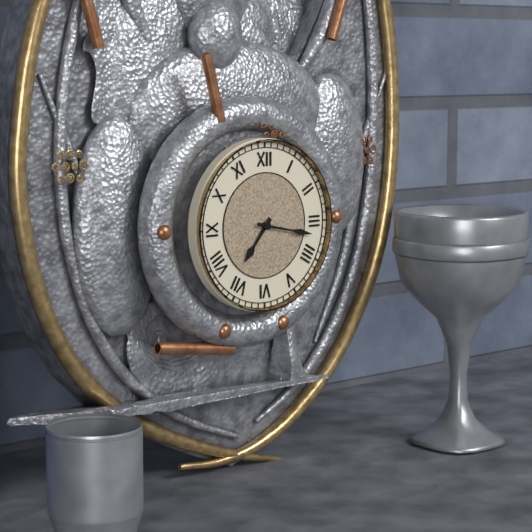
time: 7:17
